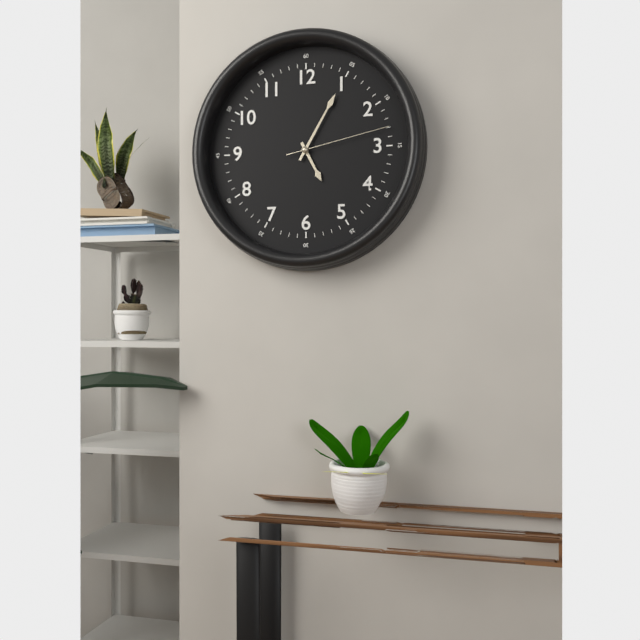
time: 5:05:13
